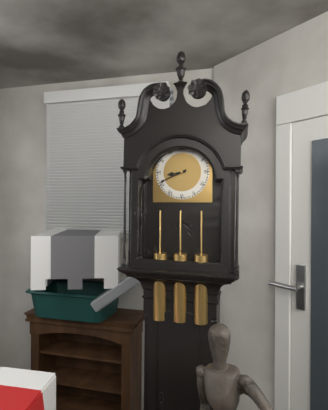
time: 8:41
